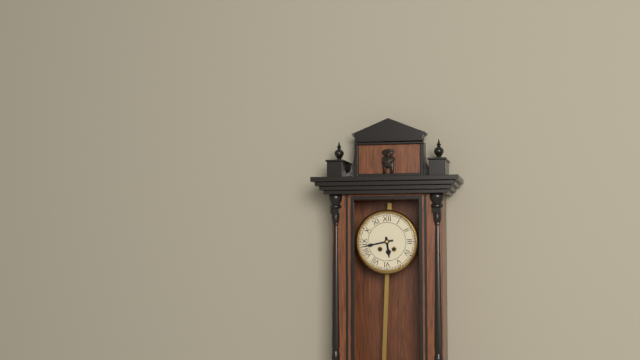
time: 5:43
